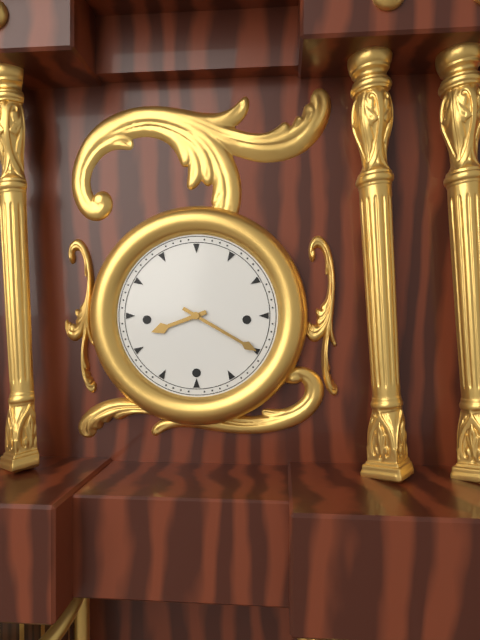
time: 8:20
